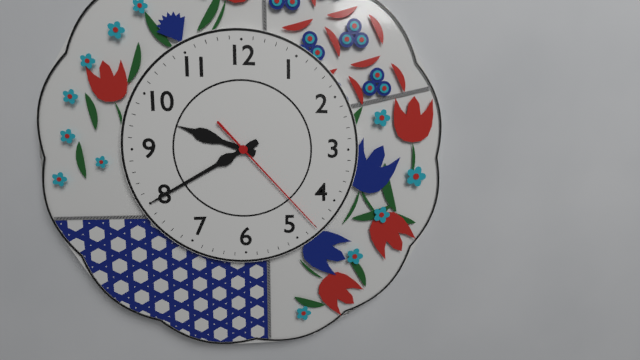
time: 9:40:23
